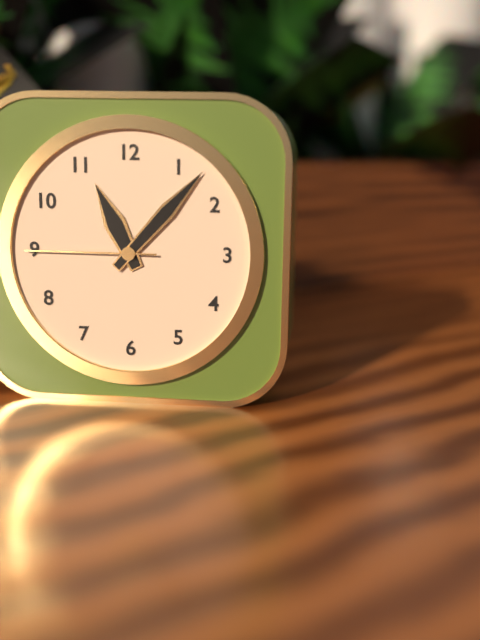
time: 11:07:45
